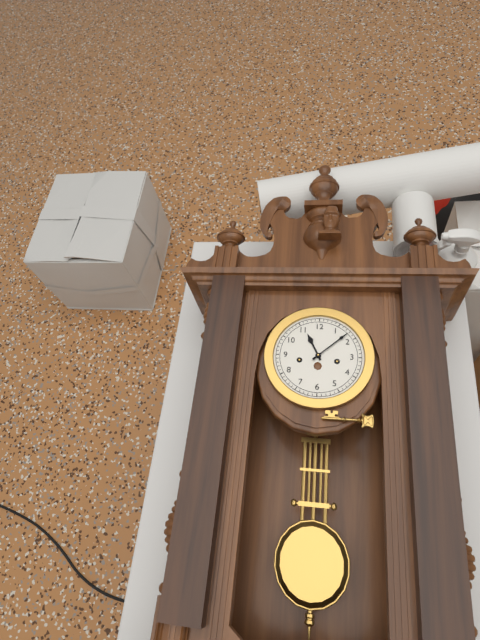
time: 11:08
